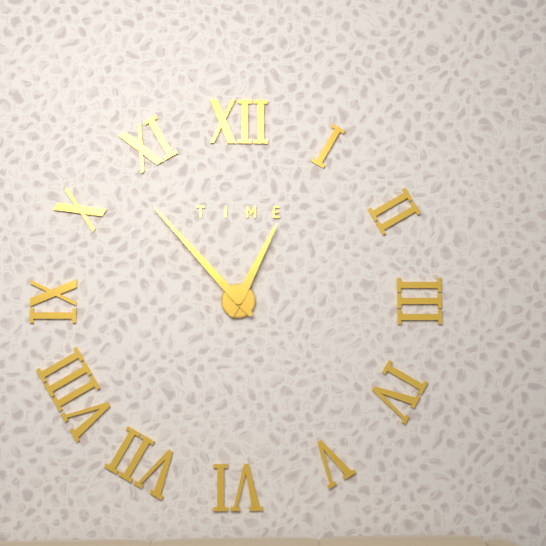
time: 12:53
